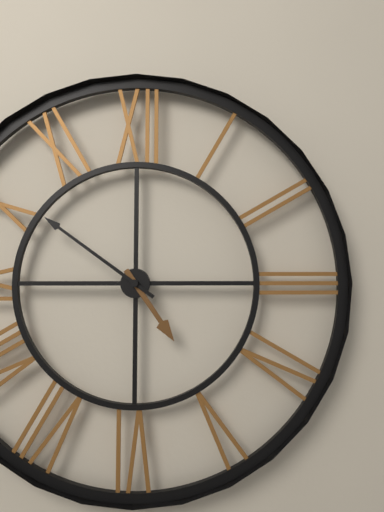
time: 4:51
